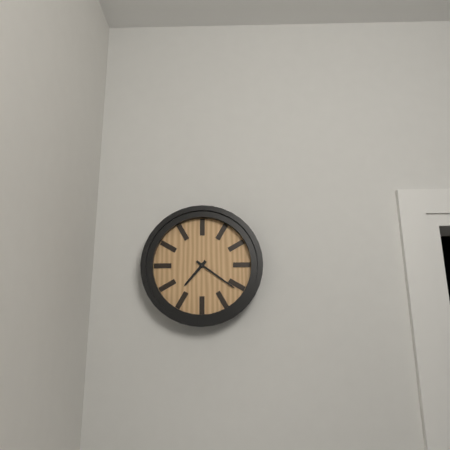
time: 7:21
